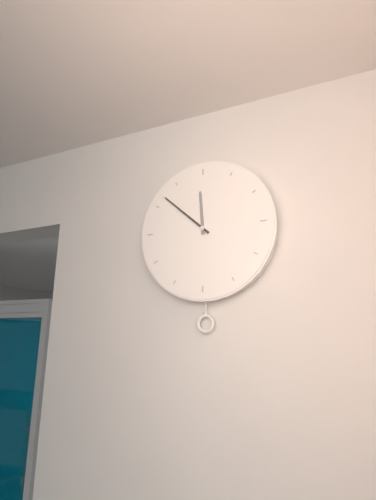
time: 11:52
